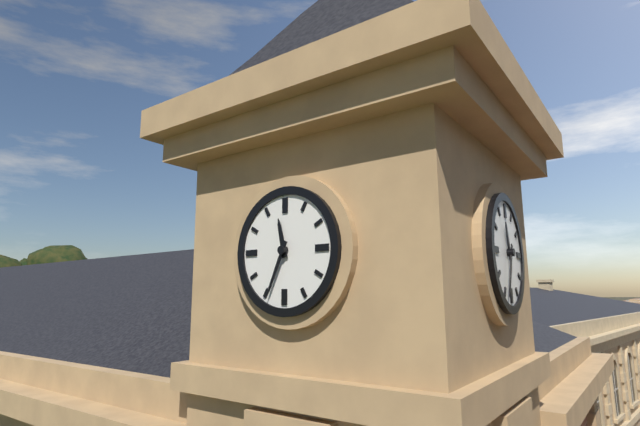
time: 11:34
